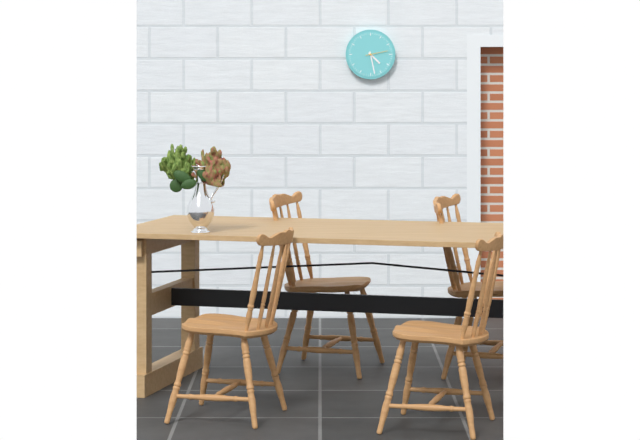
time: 4:28
